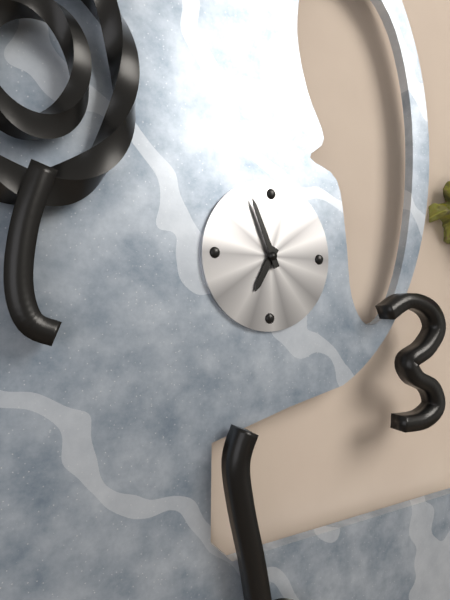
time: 6:56
